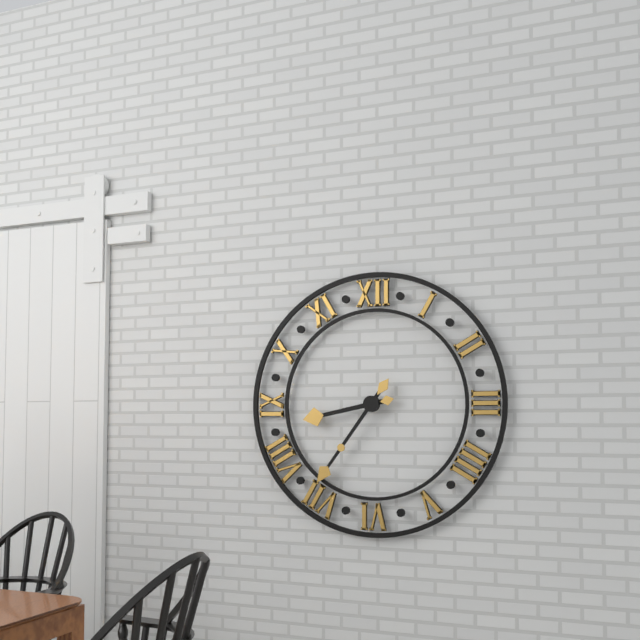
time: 8:36
